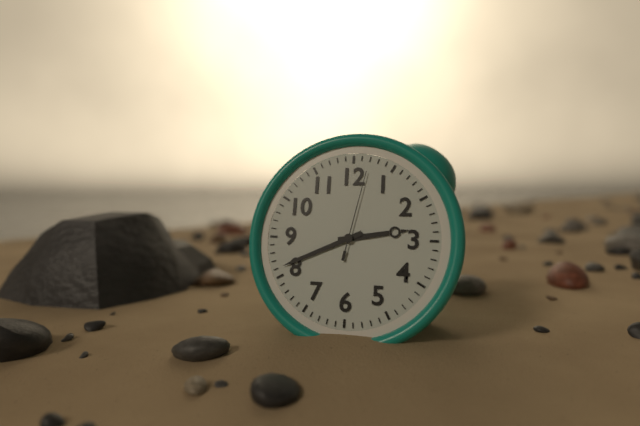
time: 2:41:02
